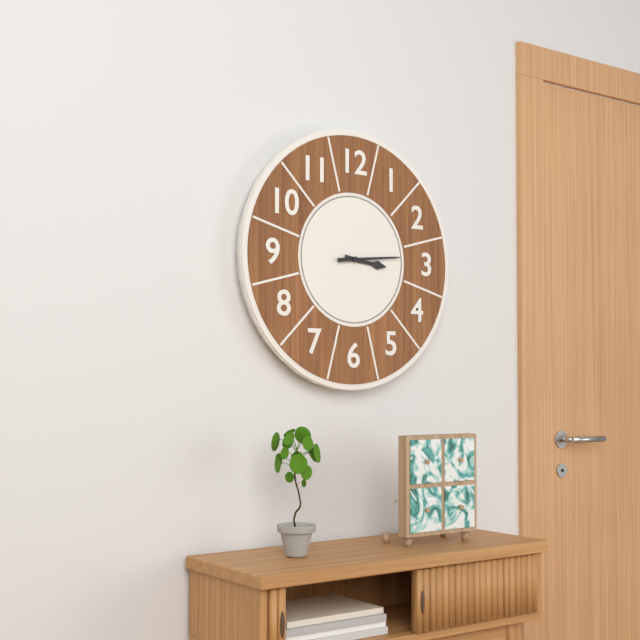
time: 3:14
